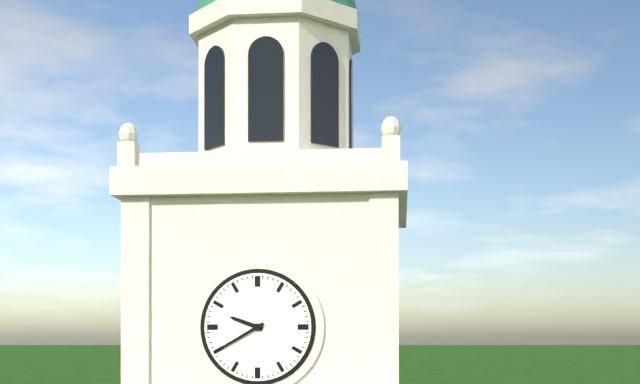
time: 9:40
